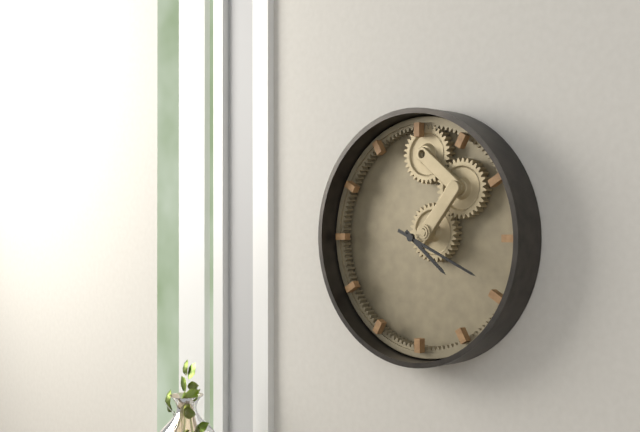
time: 4:19
